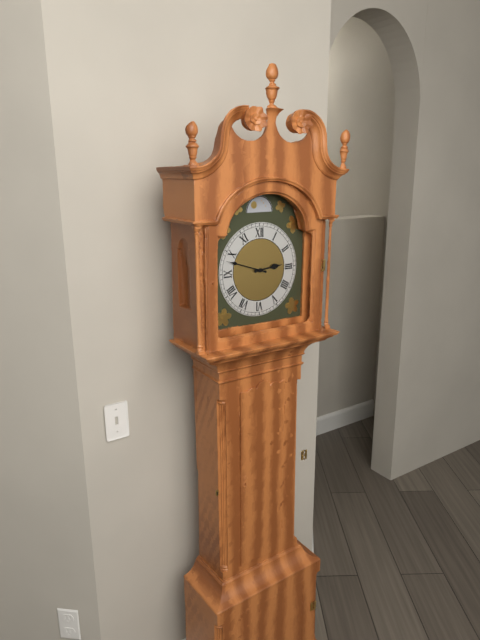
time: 2:48
